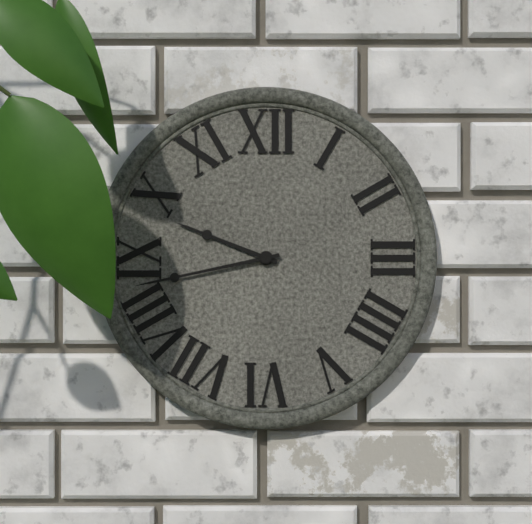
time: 9:43
